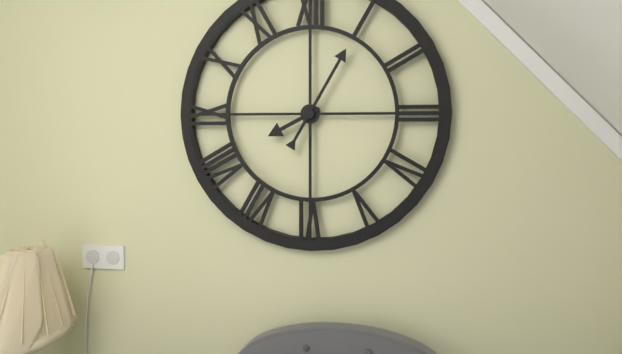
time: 8:05
